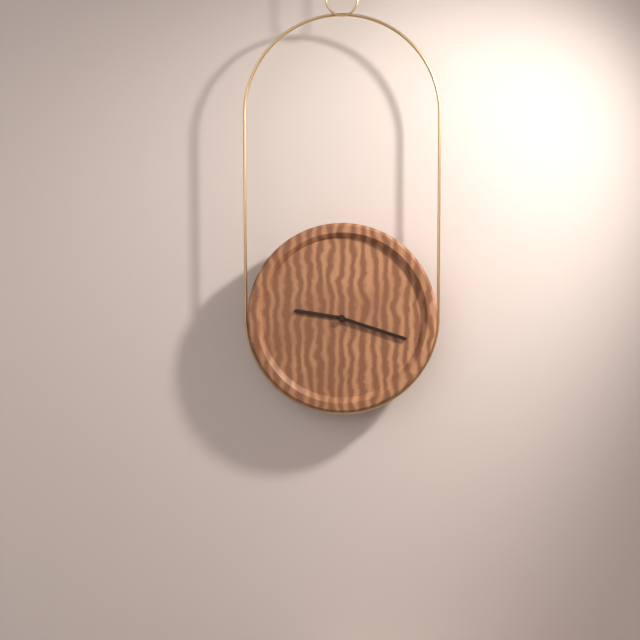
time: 9:18
